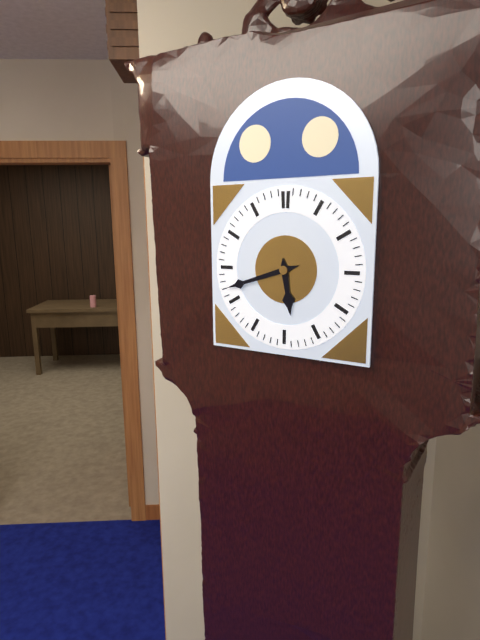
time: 5:42
